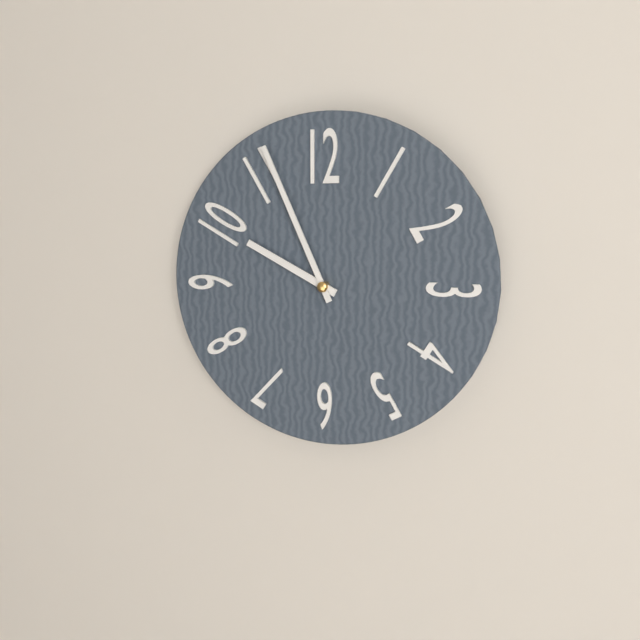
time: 9:56
